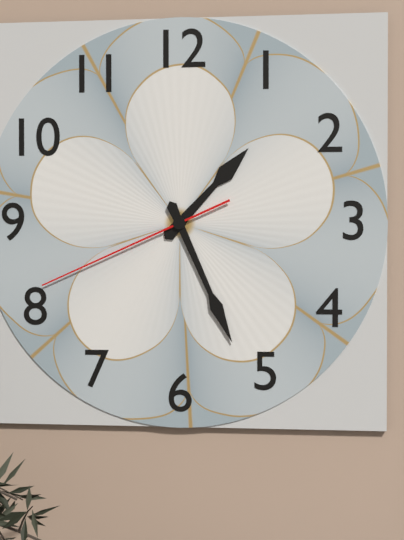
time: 1:26:41
